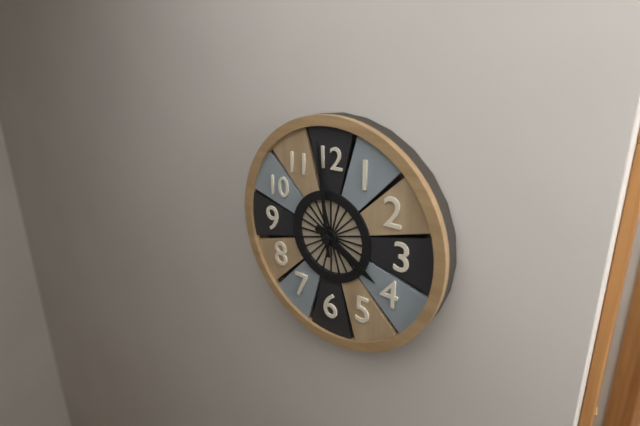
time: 3:59
